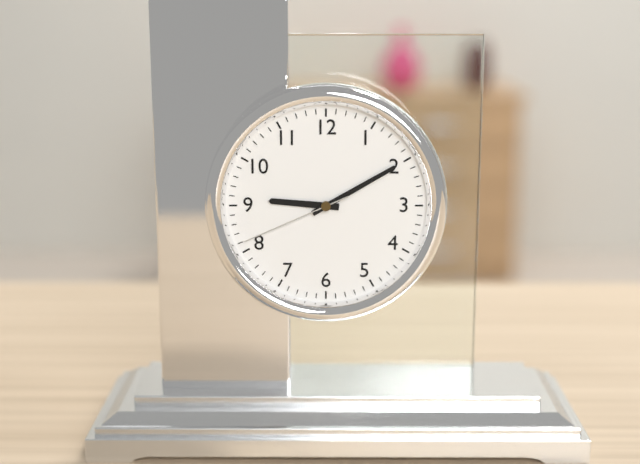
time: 9:10:41
